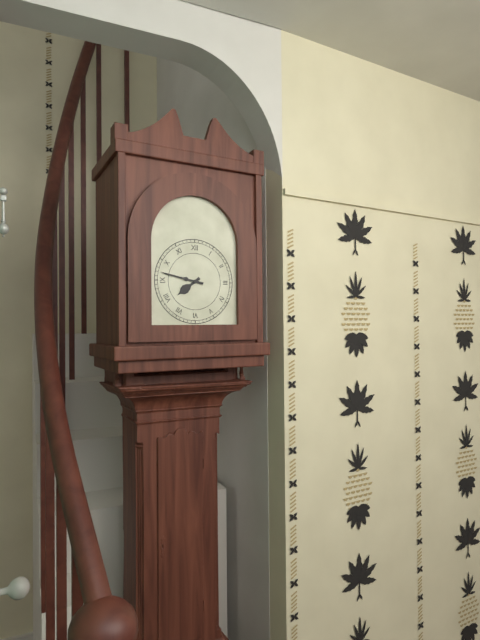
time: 7:47
